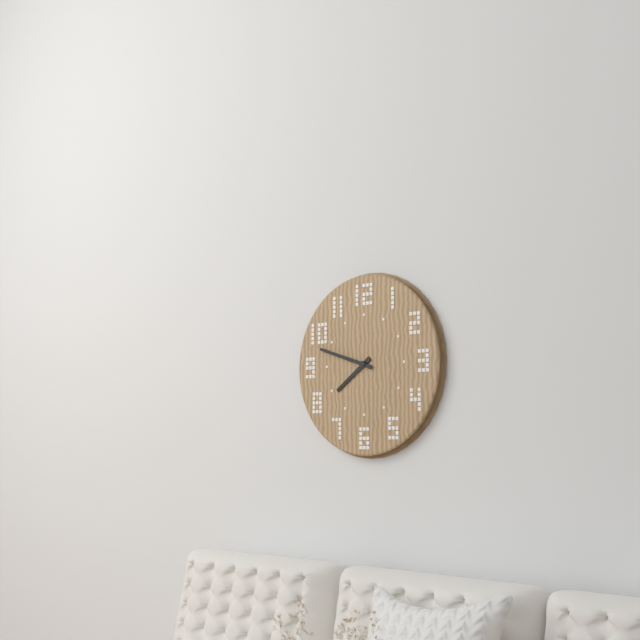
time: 7:48
